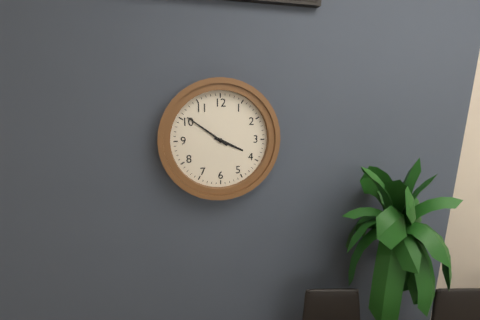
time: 3:51
